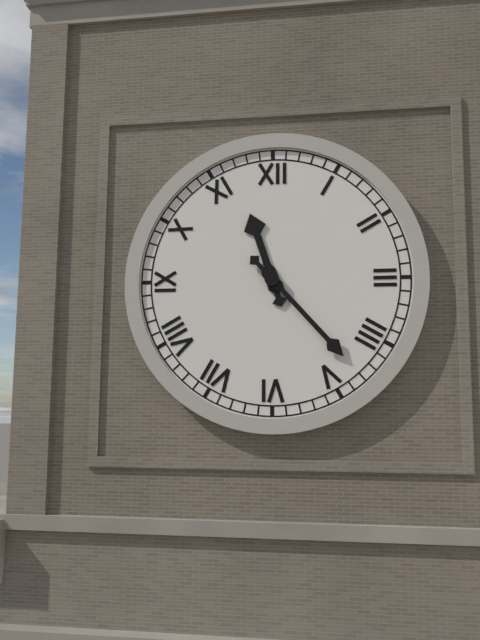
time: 11:23
